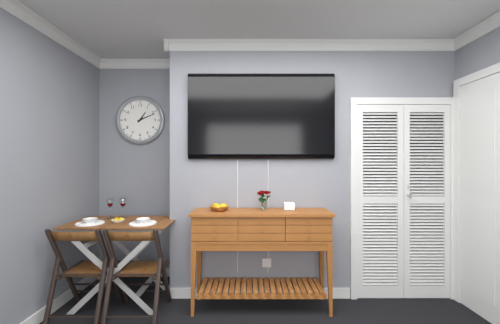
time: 1:11
